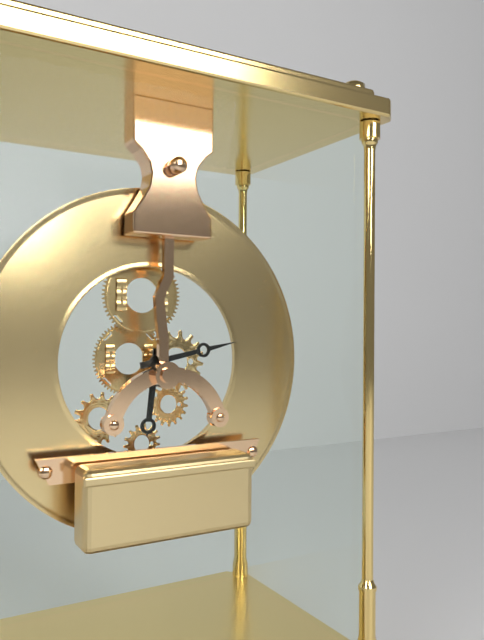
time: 6:13
